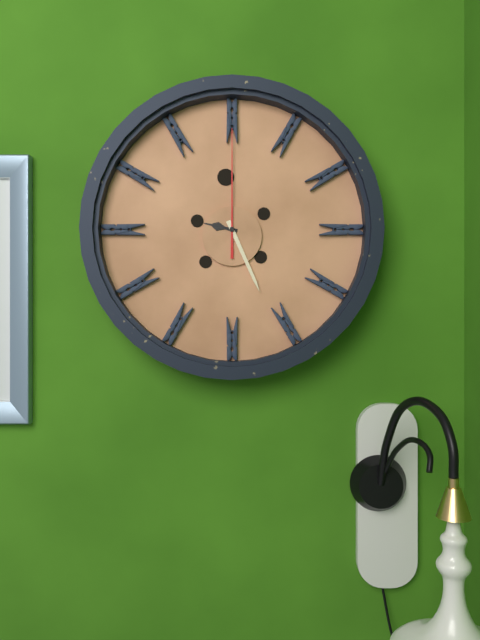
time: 9:26:00
